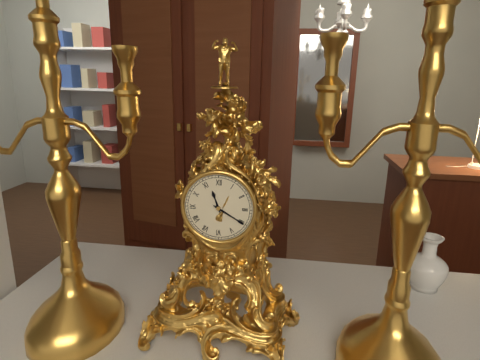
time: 11:20
